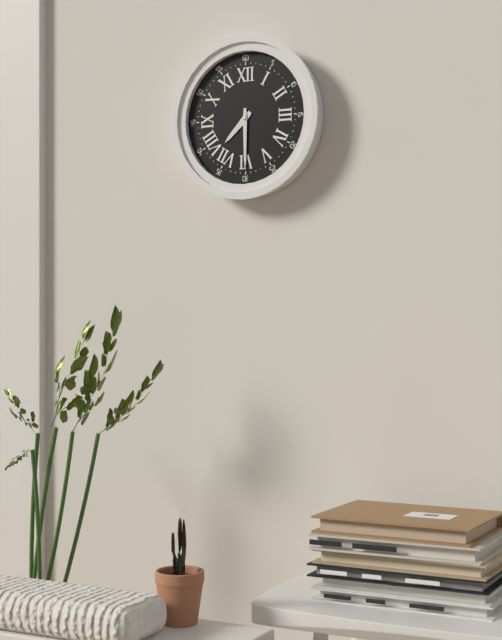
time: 7:30
